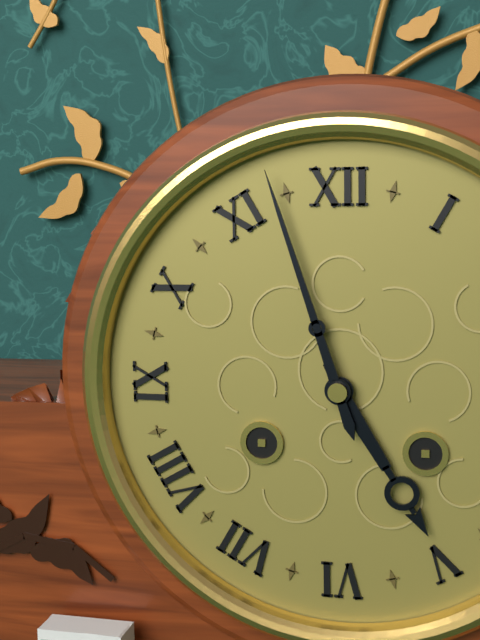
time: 4:57
